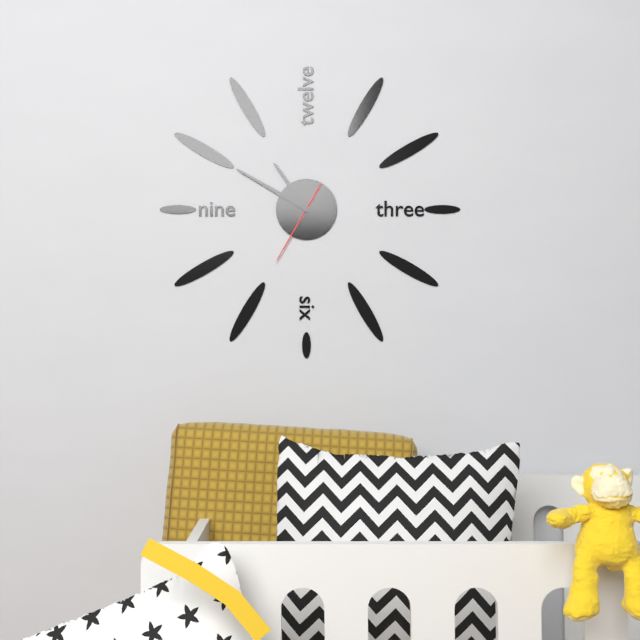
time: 10:50:35
